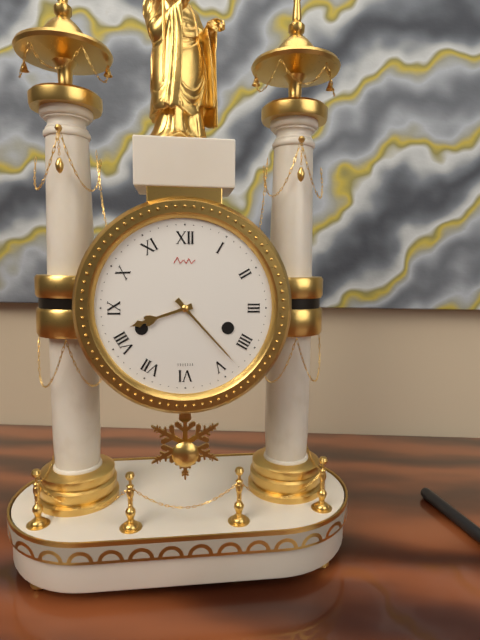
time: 8:23
